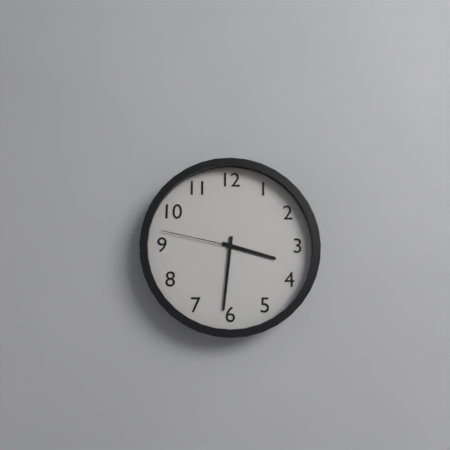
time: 3:31:47
